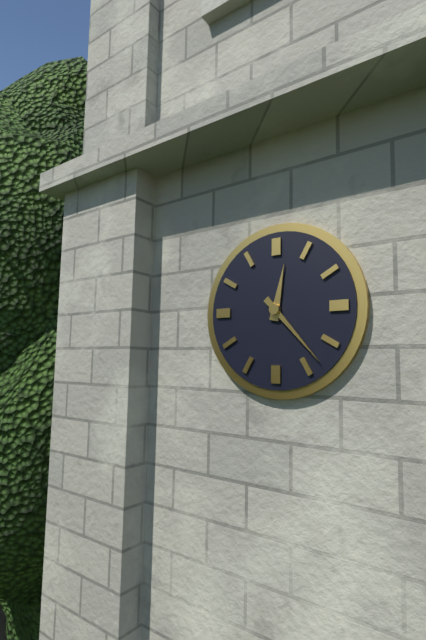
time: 12:23
